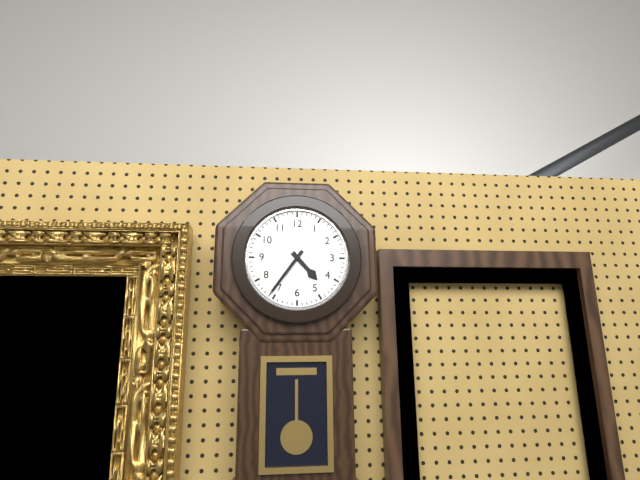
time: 4:36
